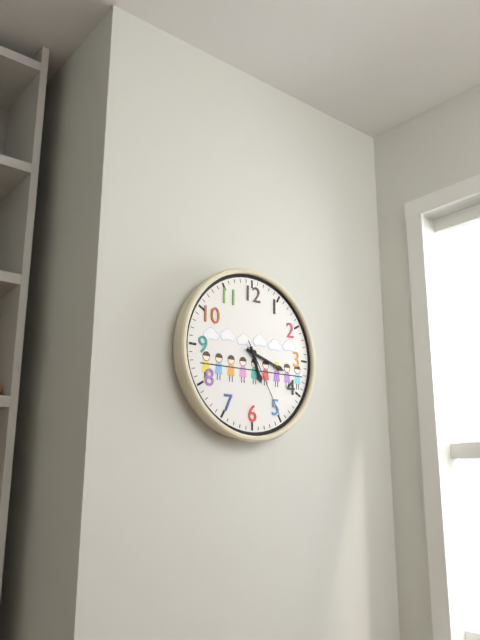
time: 5:18:25
